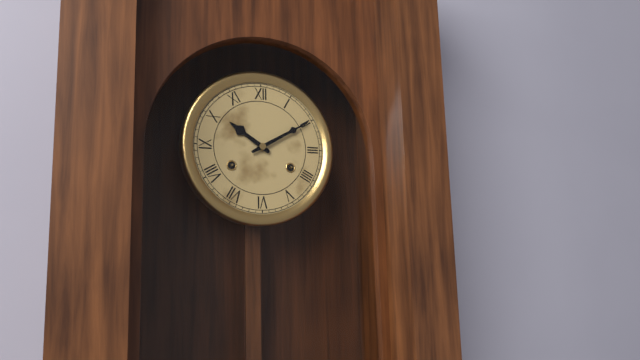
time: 10:10
